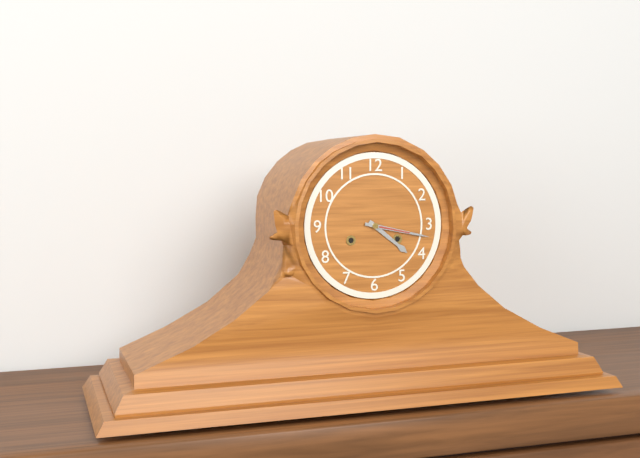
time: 4:17
